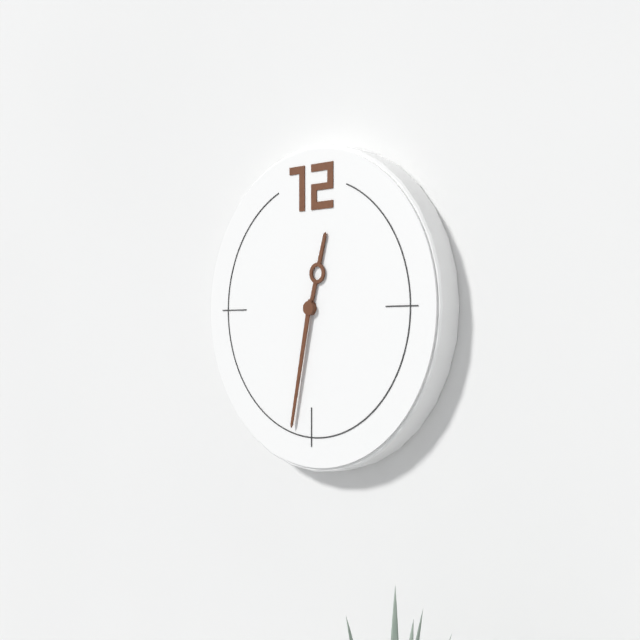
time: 12:32
